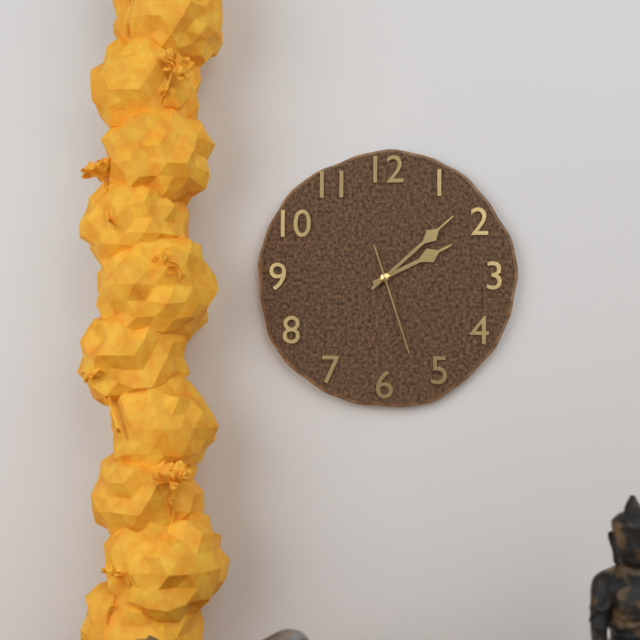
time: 2:08:27
